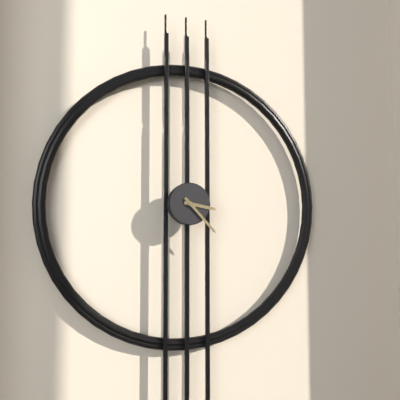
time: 3:23
